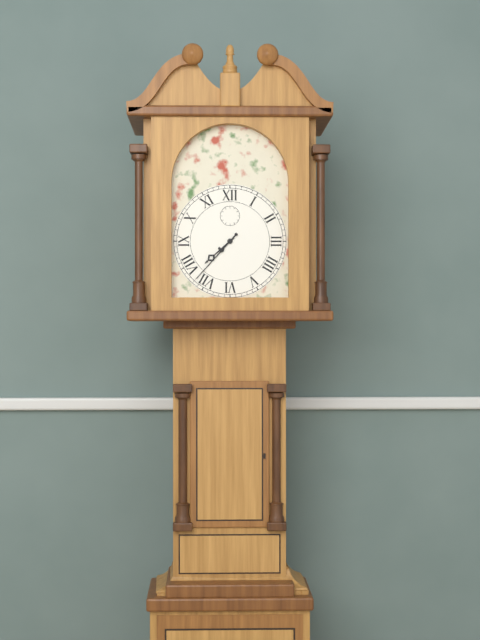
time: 7:37
